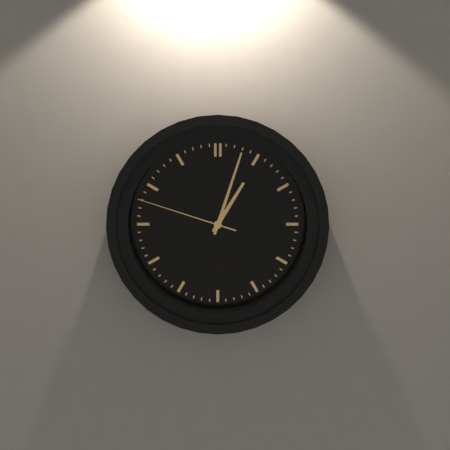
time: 1:03:48
